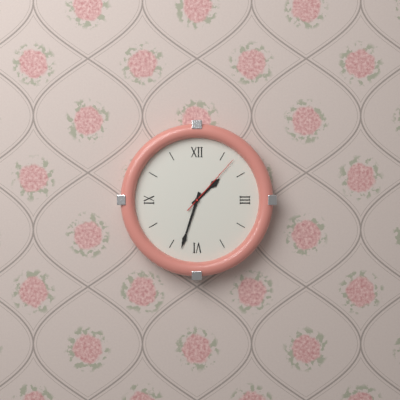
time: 1:33:07
